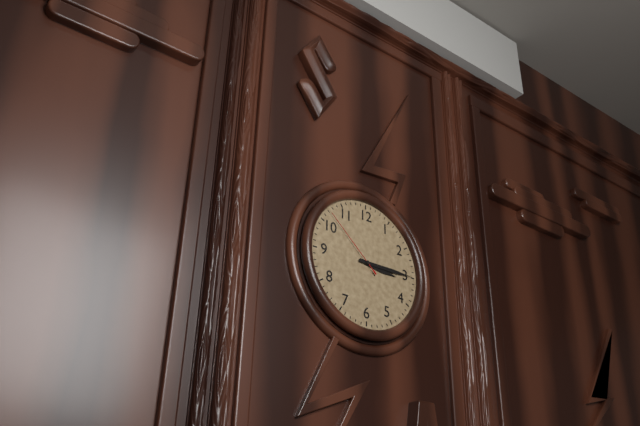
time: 3:15:52
